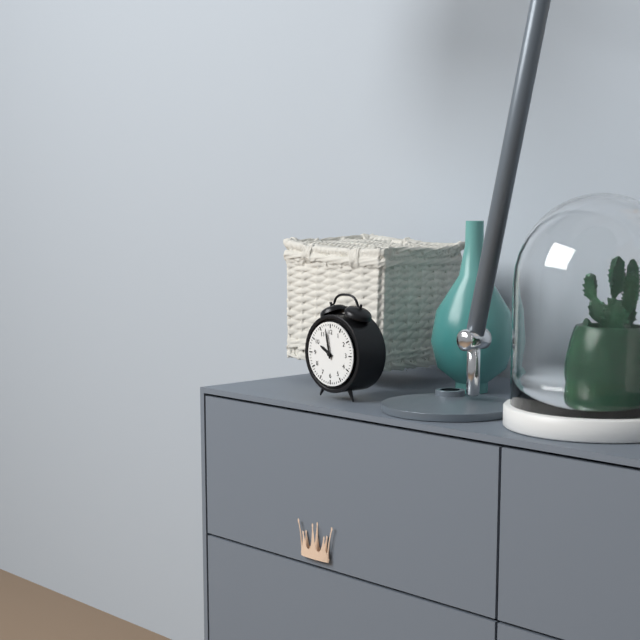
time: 9:58
